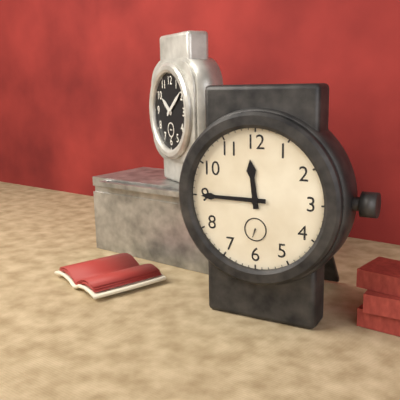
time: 11:45
